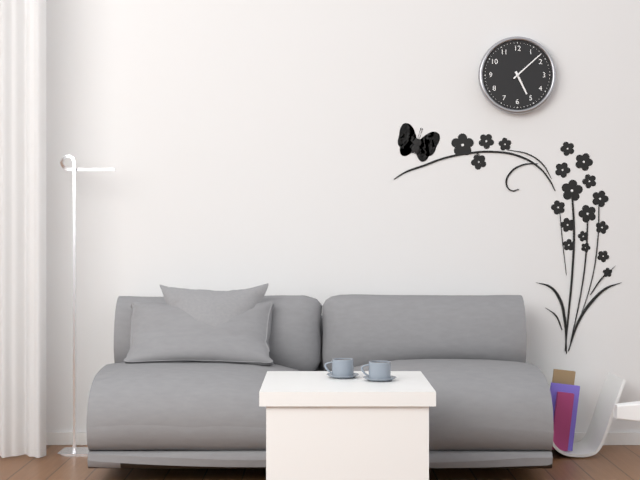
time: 5:08
